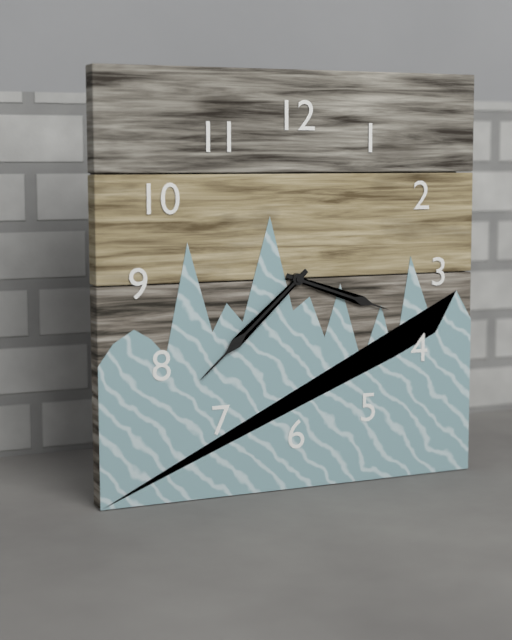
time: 3:38
